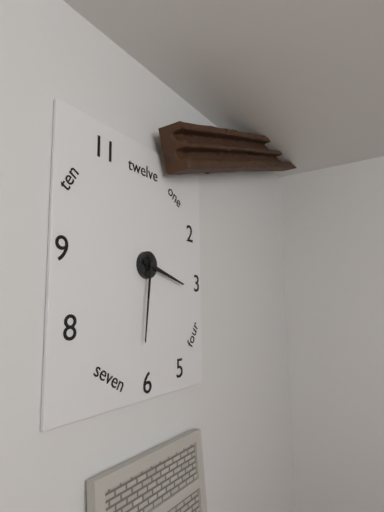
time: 3:31
